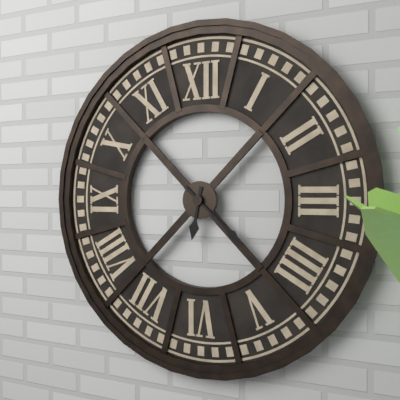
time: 6:22
